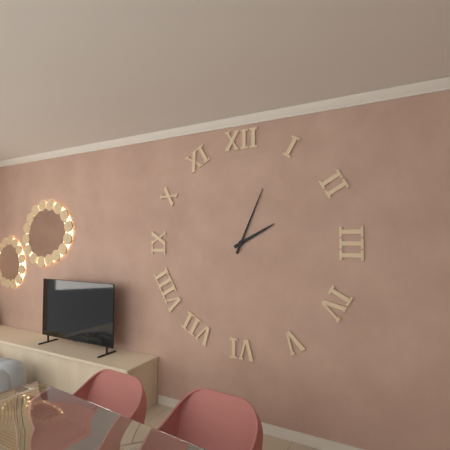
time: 2:04
